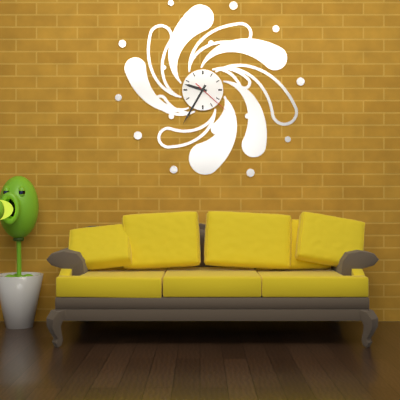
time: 9:35
